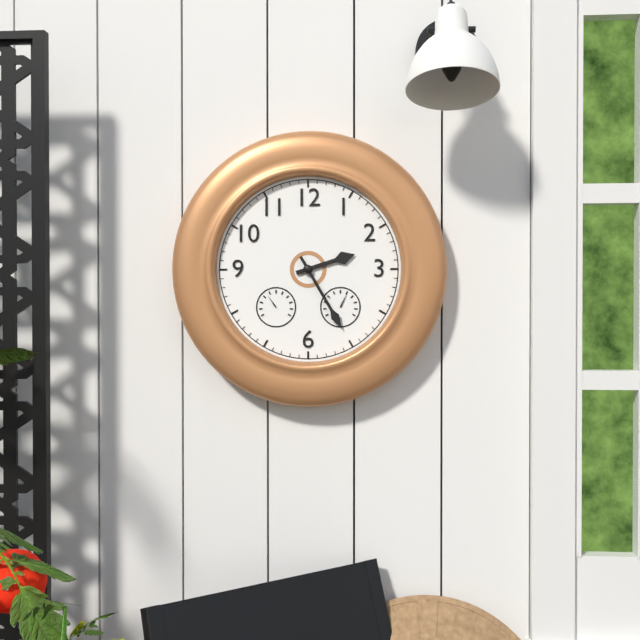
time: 2:25
